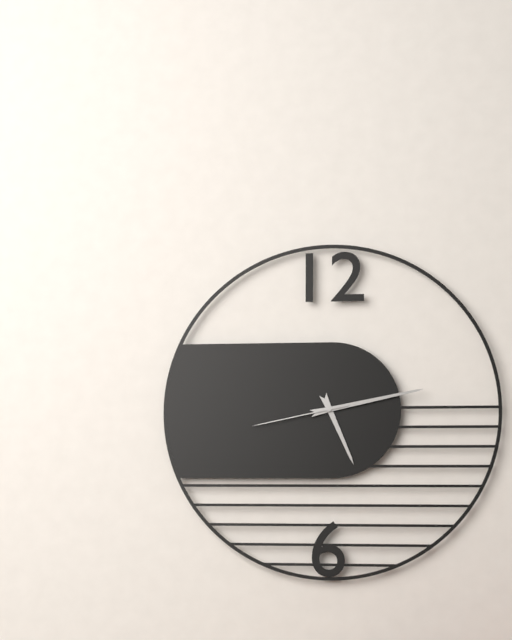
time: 5:13:43
